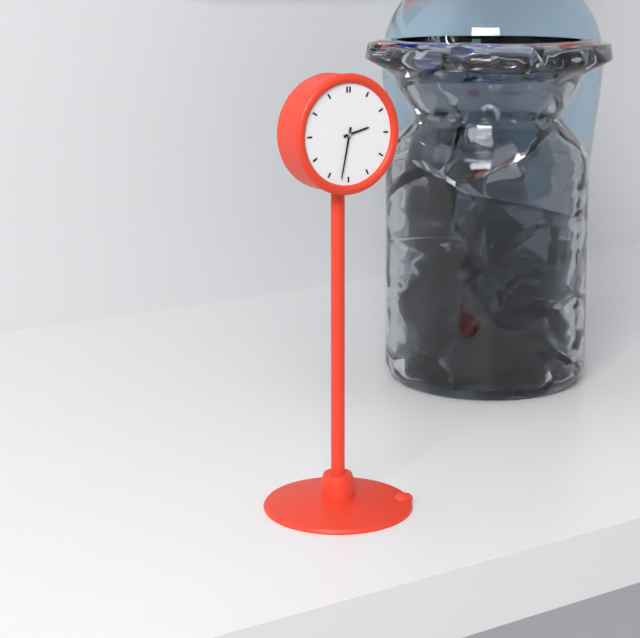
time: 2:32
